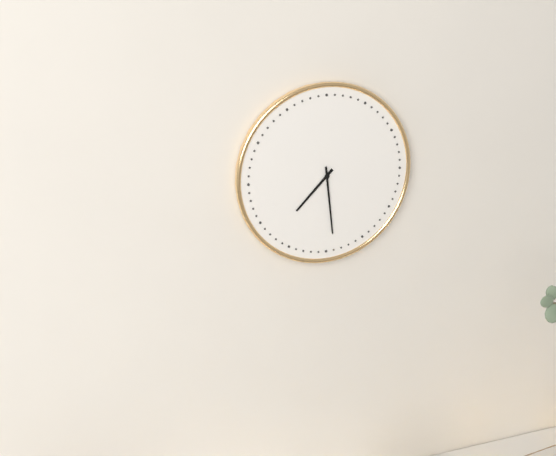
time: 7:29
